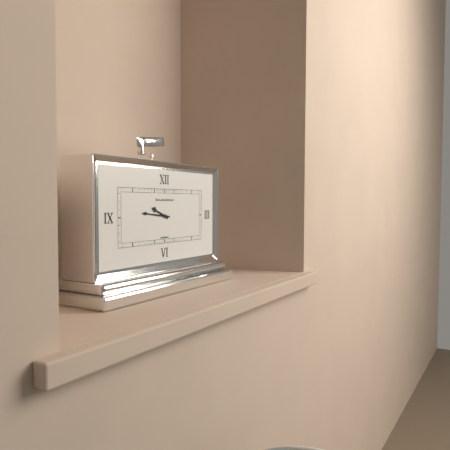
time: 9:46
